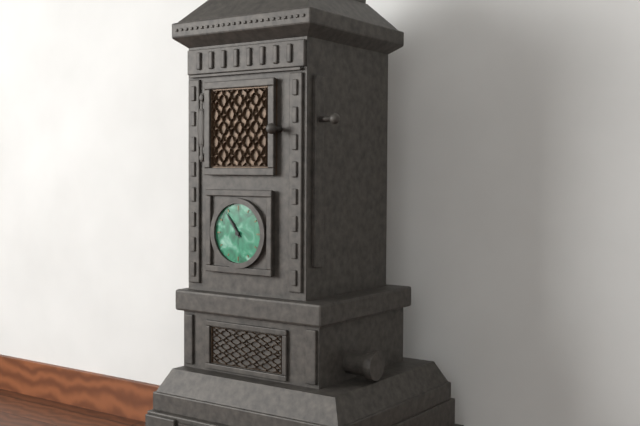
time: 10:54
